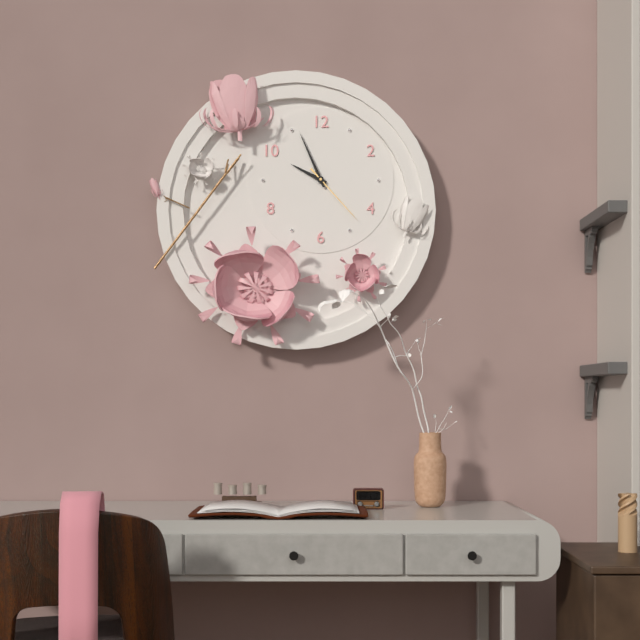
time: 9:56:23
